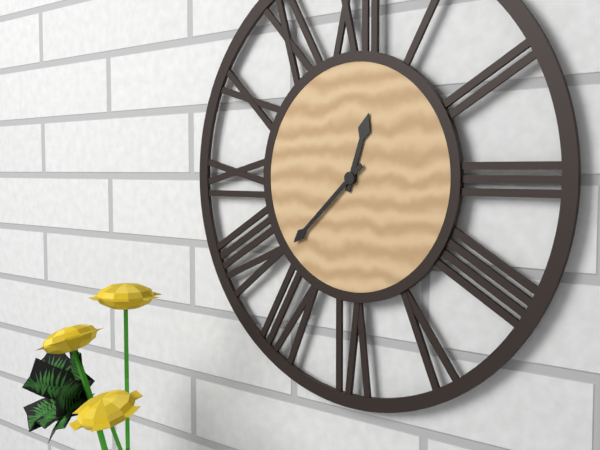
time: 12:38
